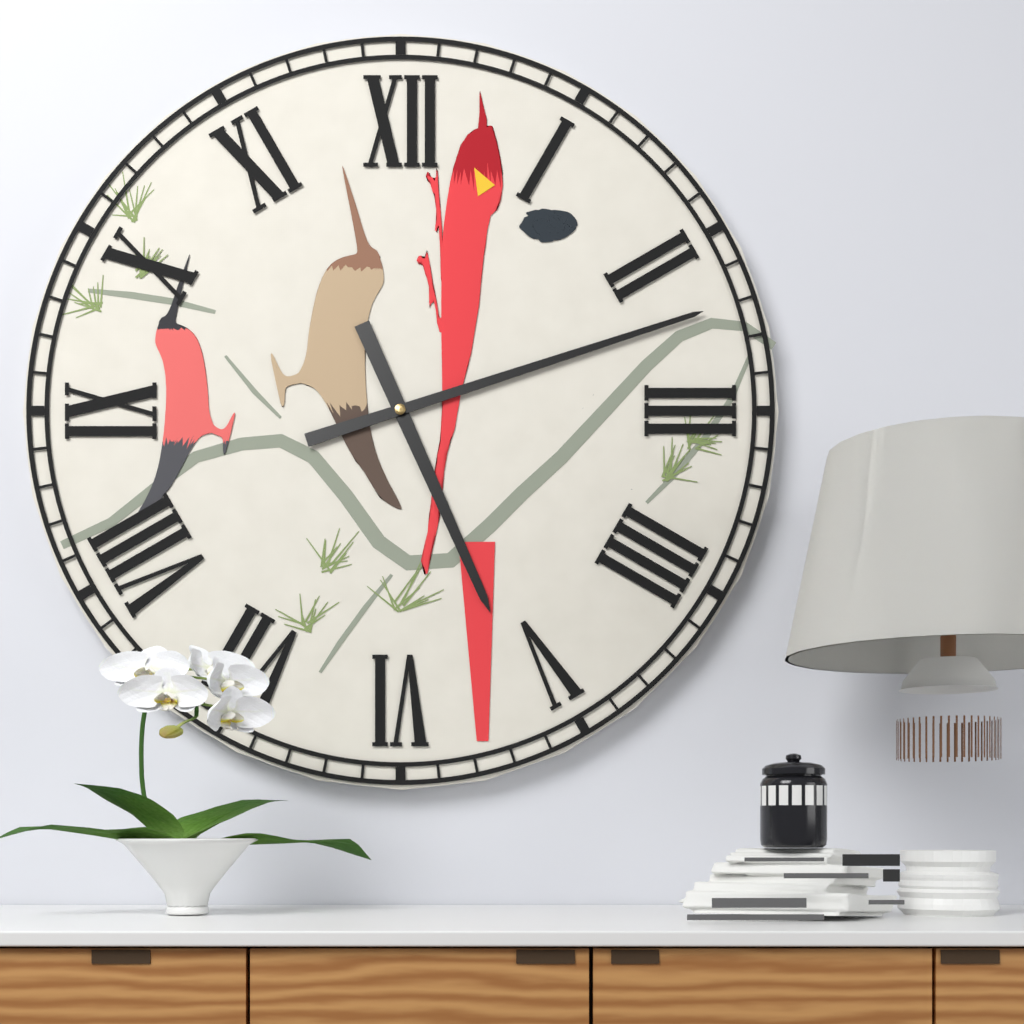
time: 5:12
